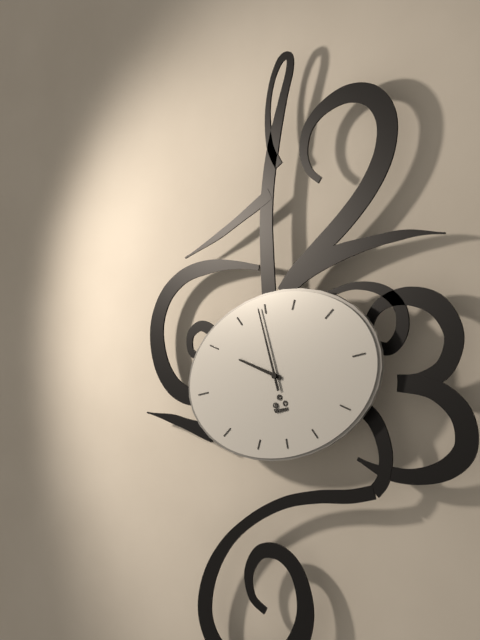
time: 9:59
